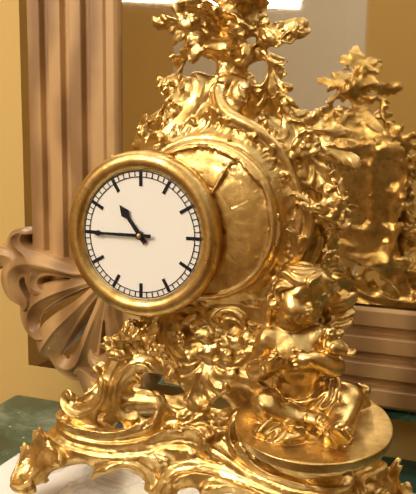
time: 10:45
